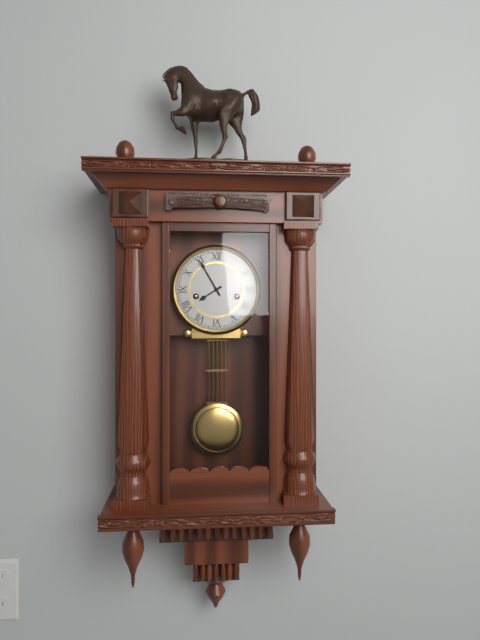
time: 7:55
